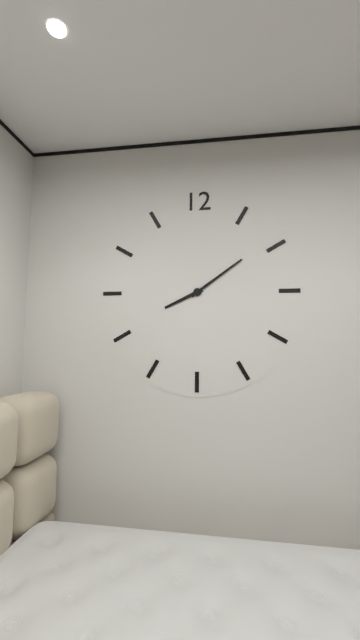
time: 8:09
